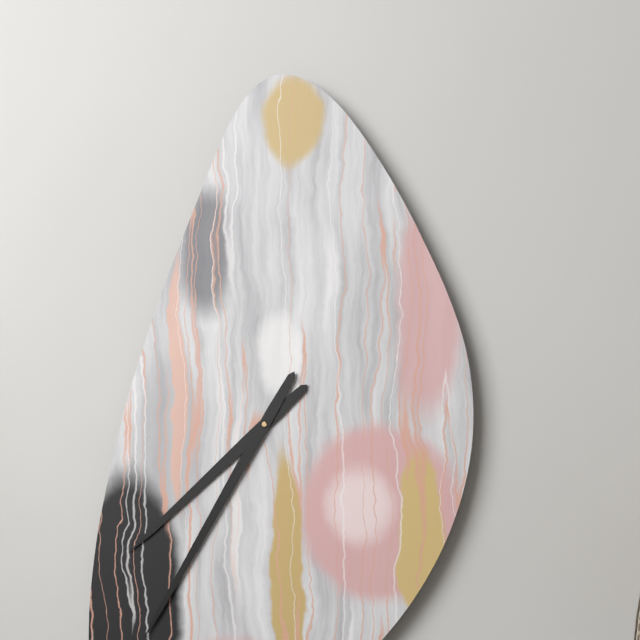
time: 7:35
